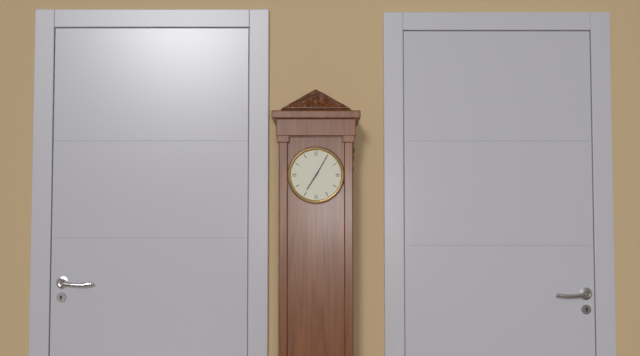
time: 7:05
